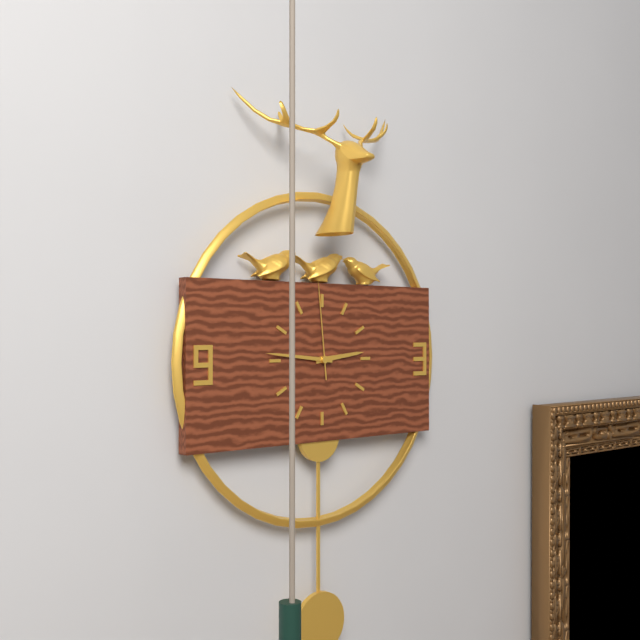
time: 2:46:59
